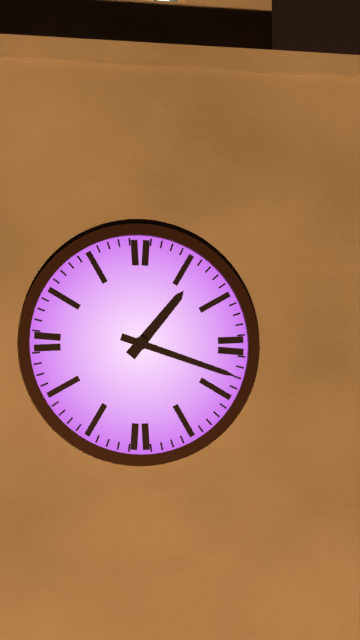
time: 1:18
